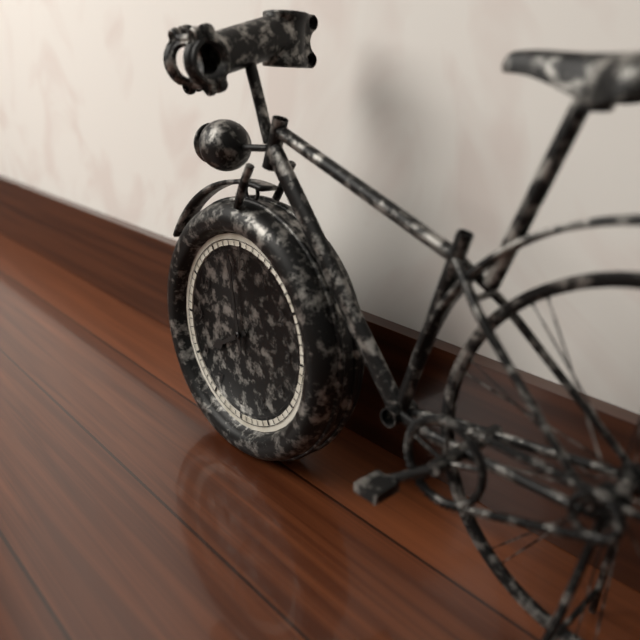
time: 7:58
